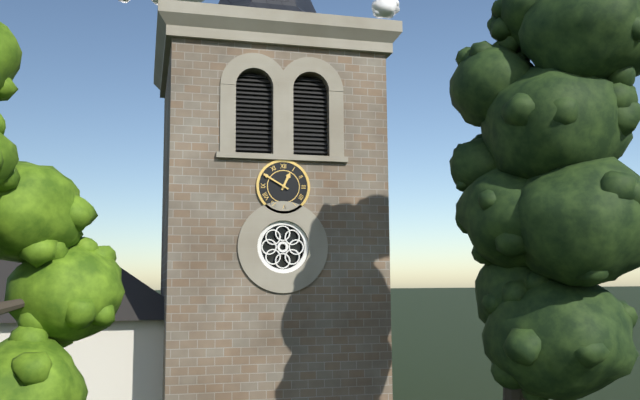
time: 12:50
